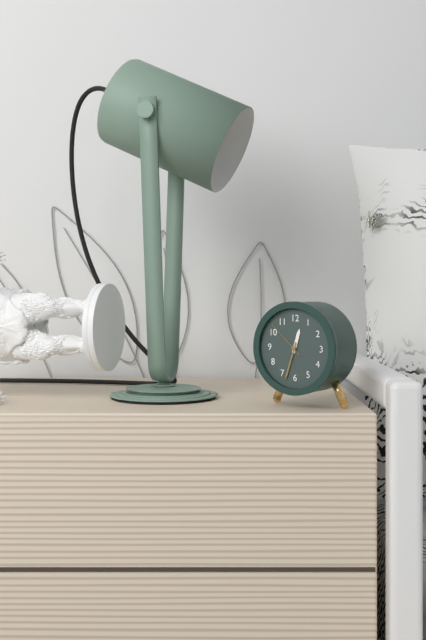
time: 12:33
